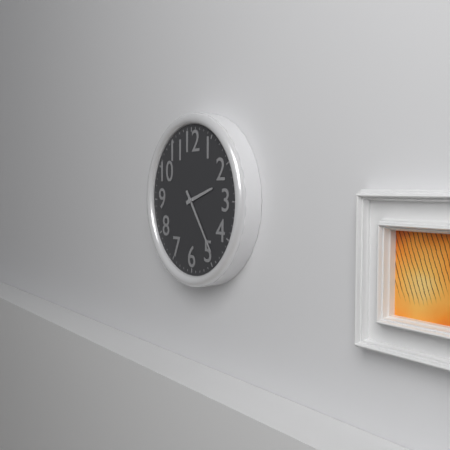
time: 2:24
